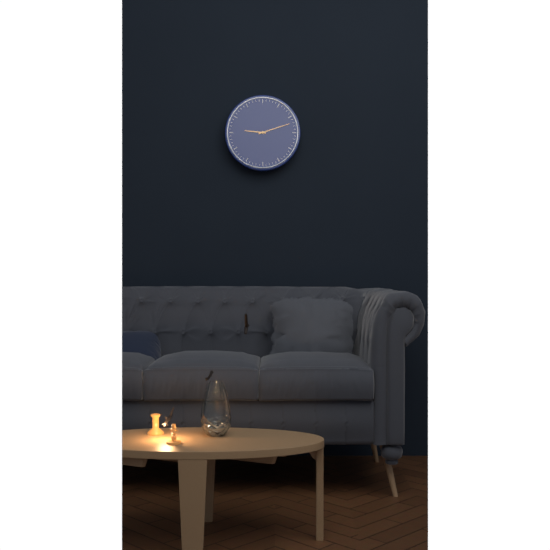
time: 9:12
